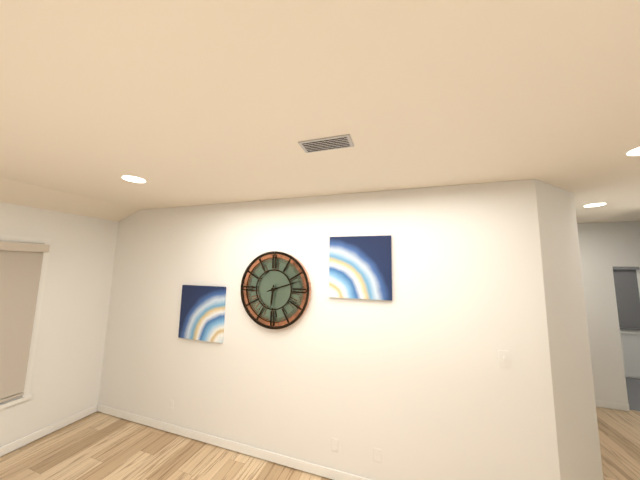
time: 6:12
